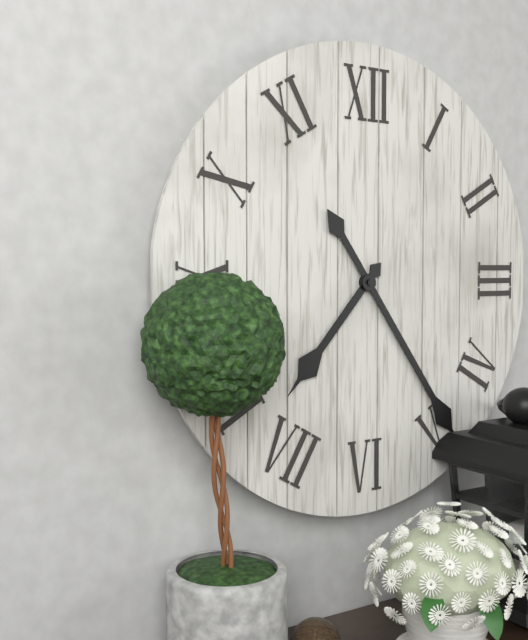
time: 7:24
